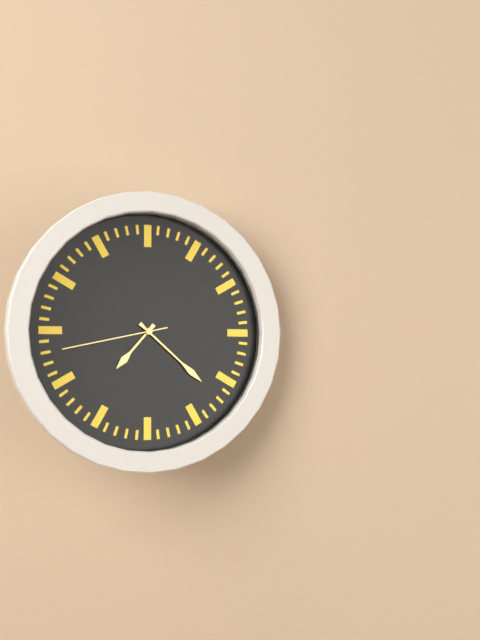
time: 7:22:43
